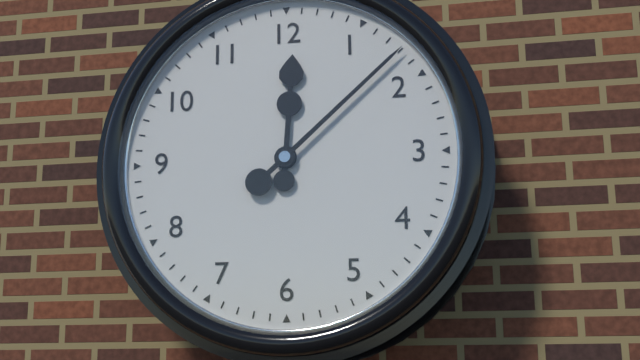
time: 12:08
